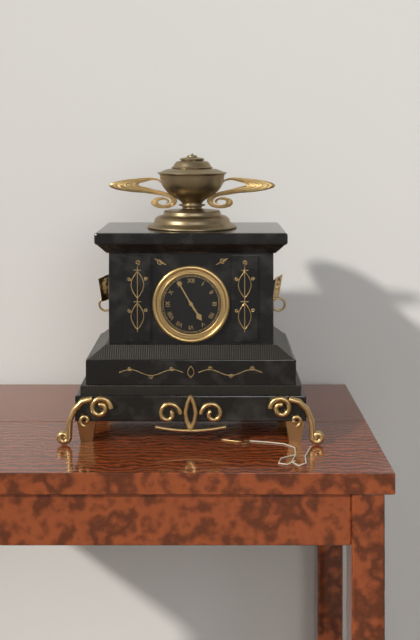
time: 4:55
